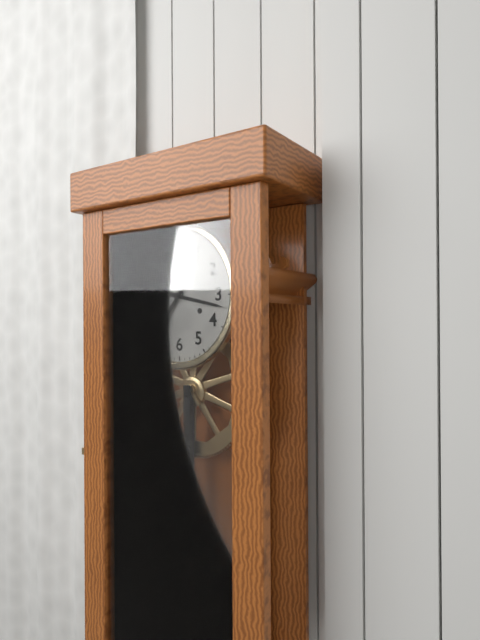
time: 7:17
